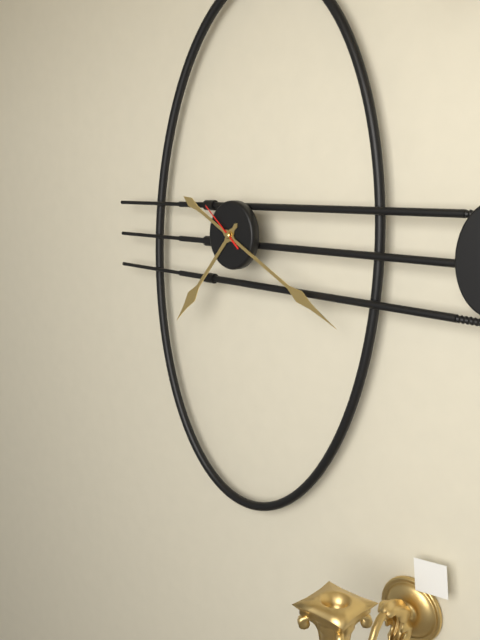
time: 7:20
